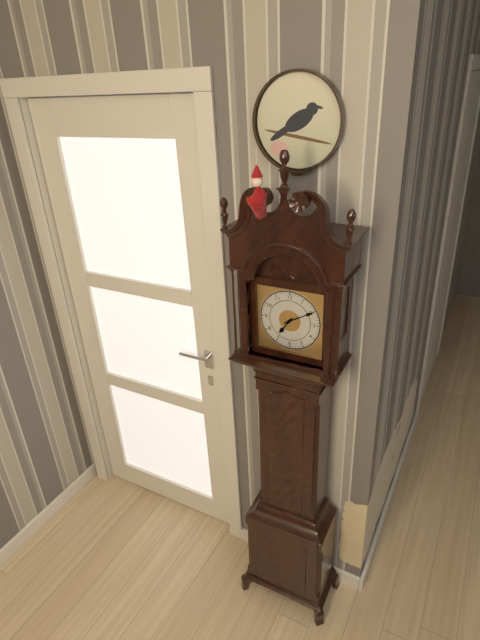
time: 7:10
